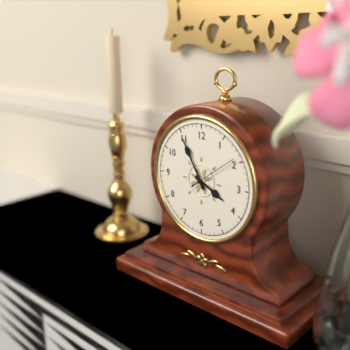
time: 3:55:09
